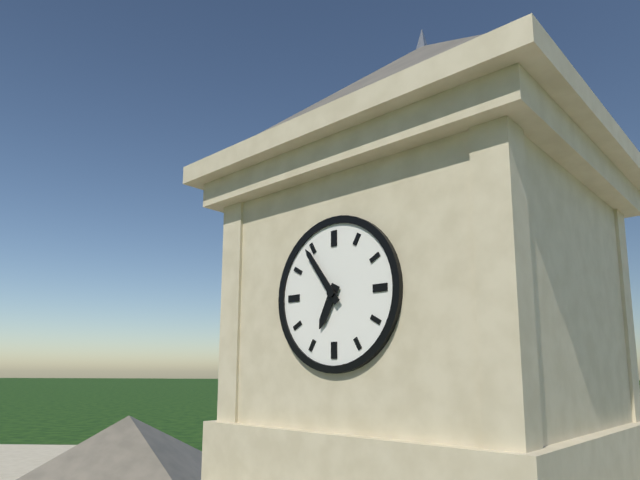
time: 6:54
